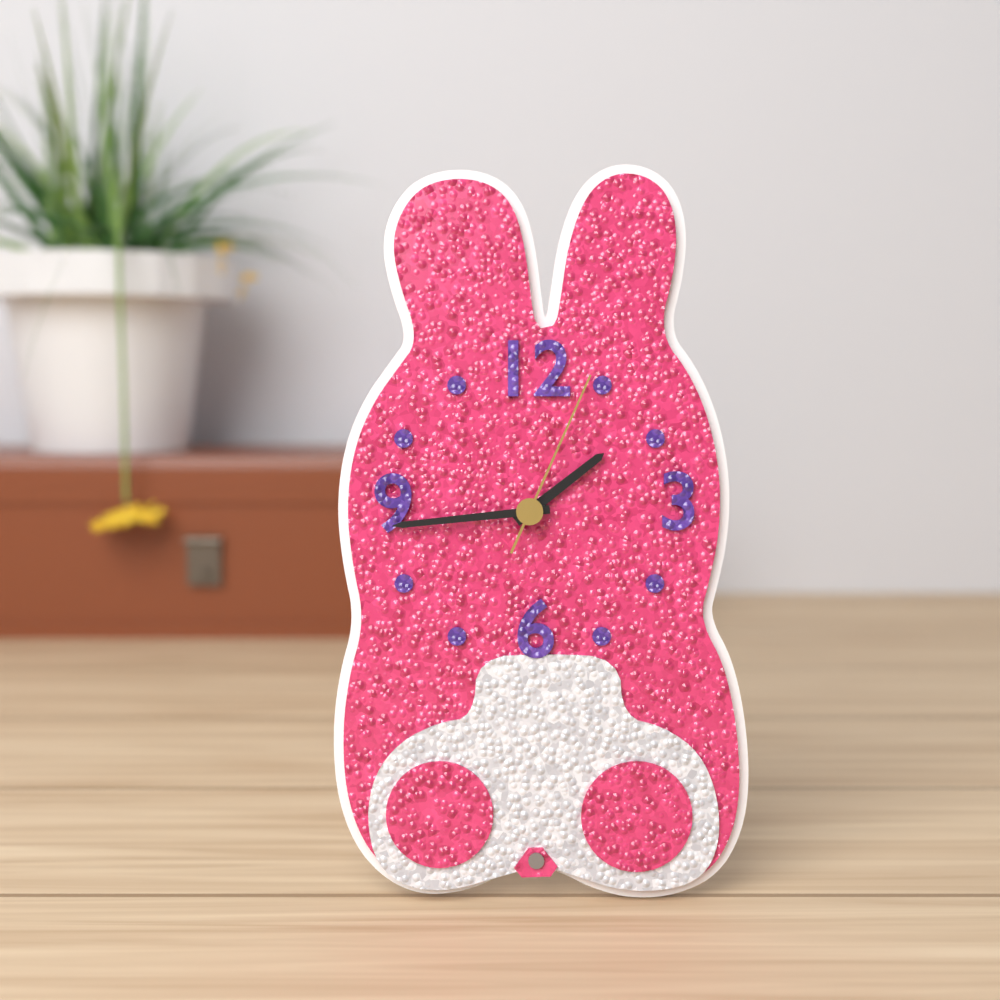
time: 1:44:04
